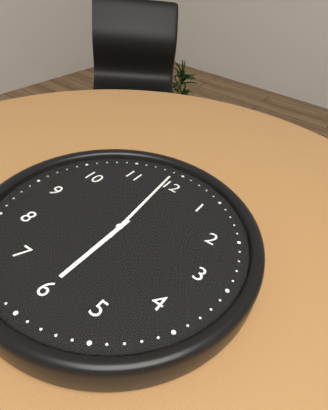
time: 5:59
